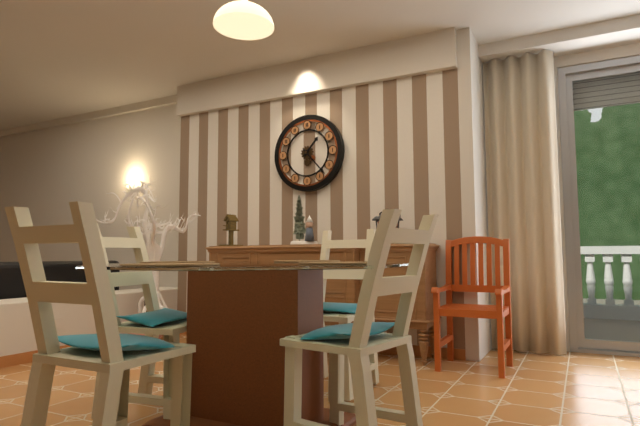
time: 1:23
